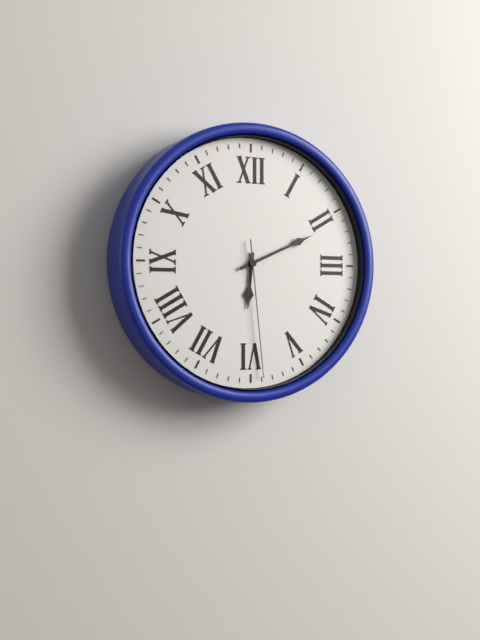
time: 6:11:29
